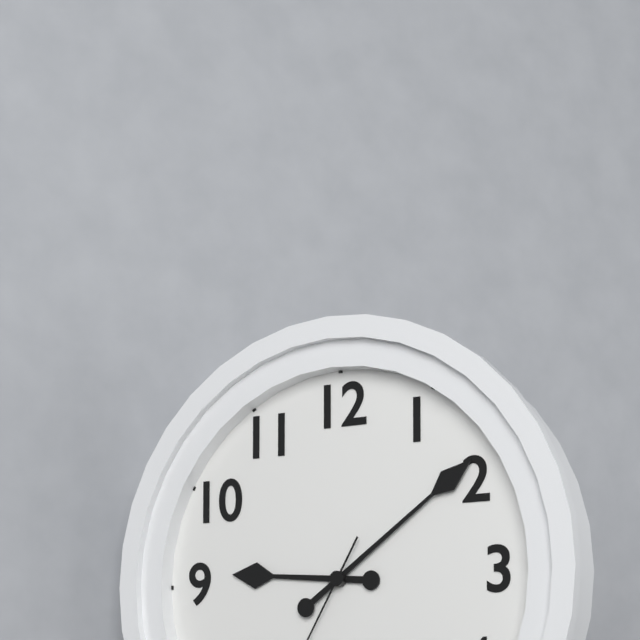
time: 9:09
